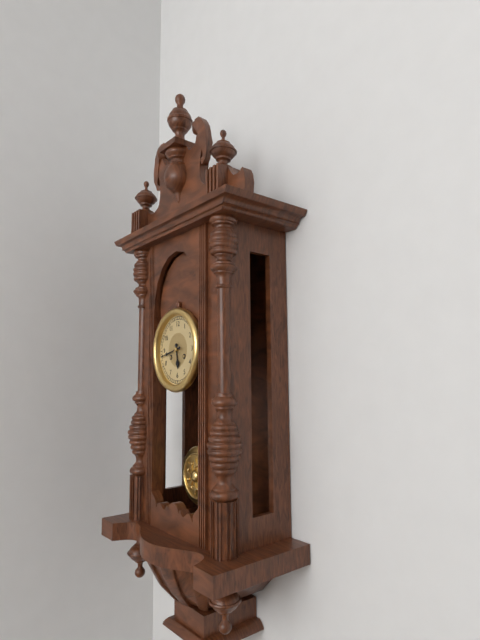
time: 5:43
